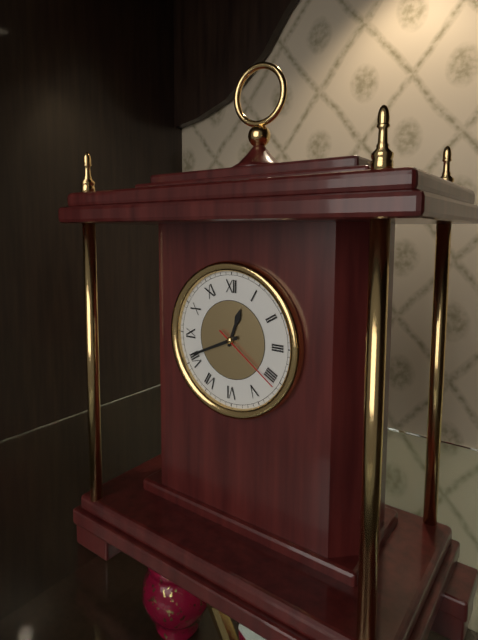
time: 12:41:21
